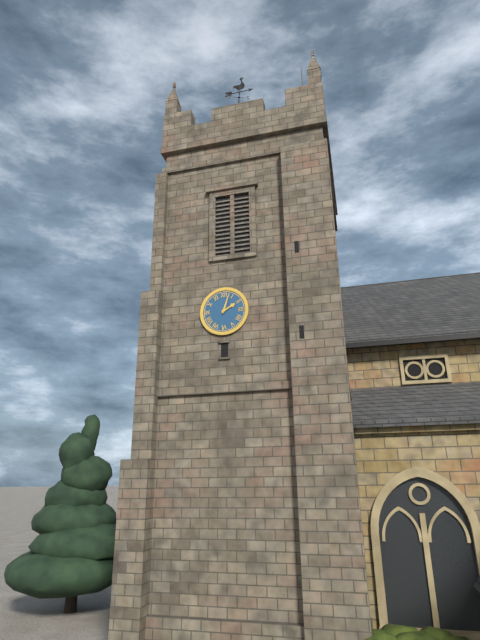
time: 2:03
